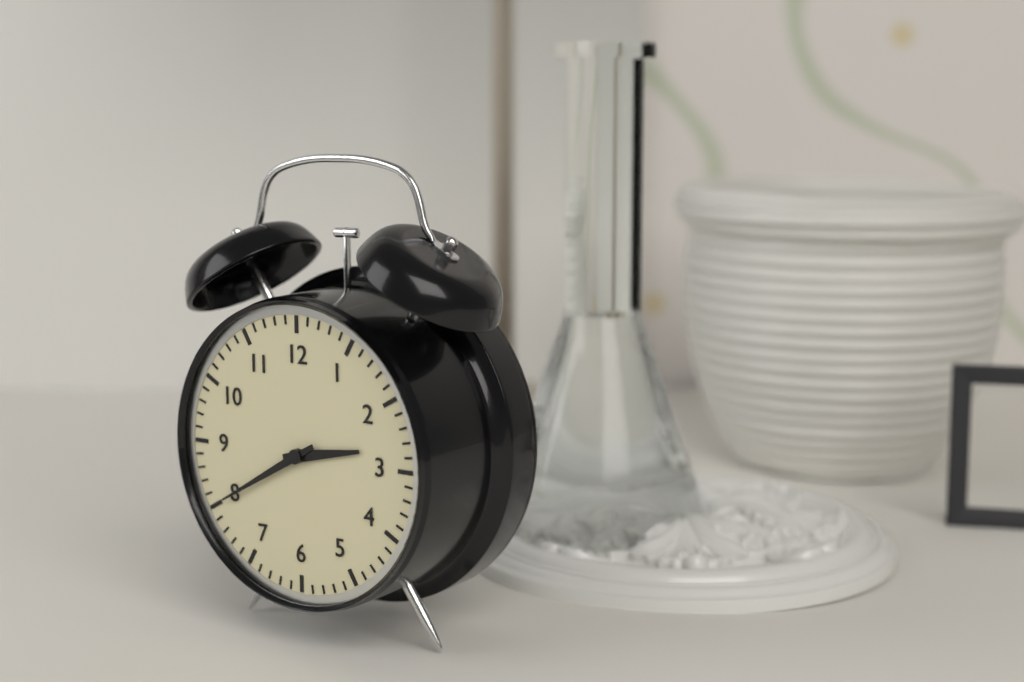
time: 2:40
